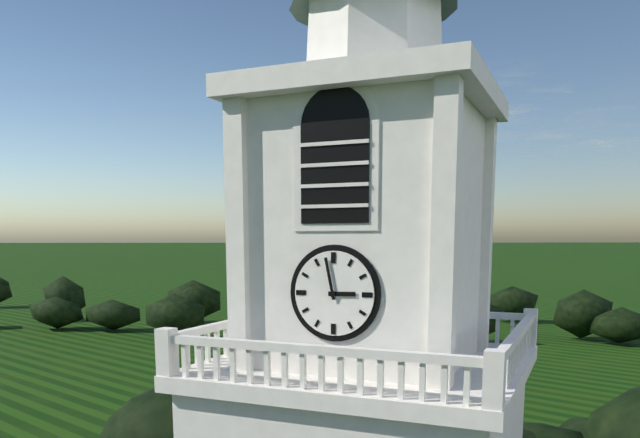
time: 2:58
